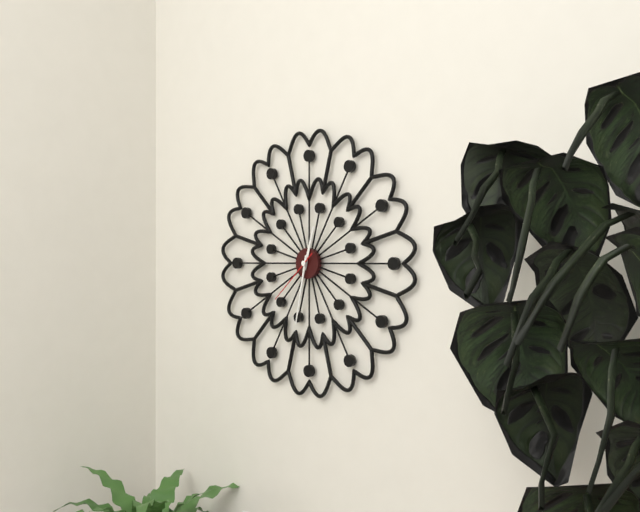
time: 12:32:38
